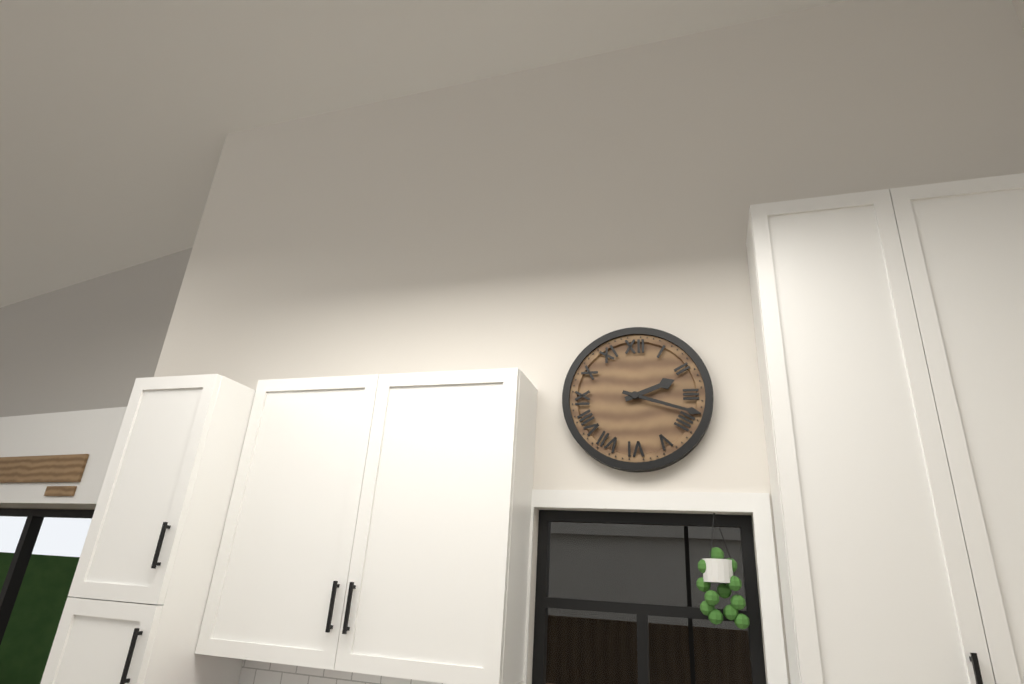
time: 2:18
